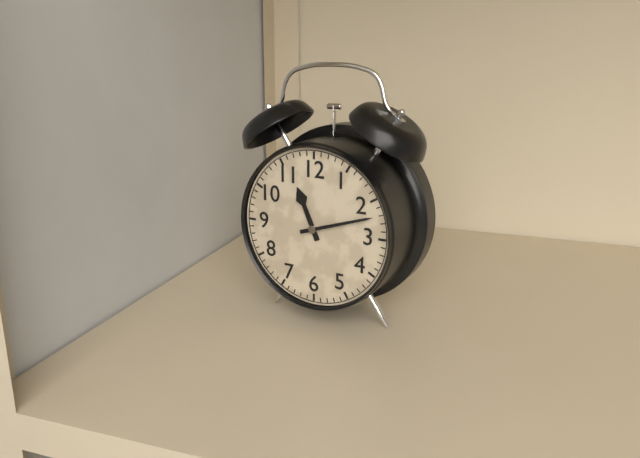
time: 11:12
